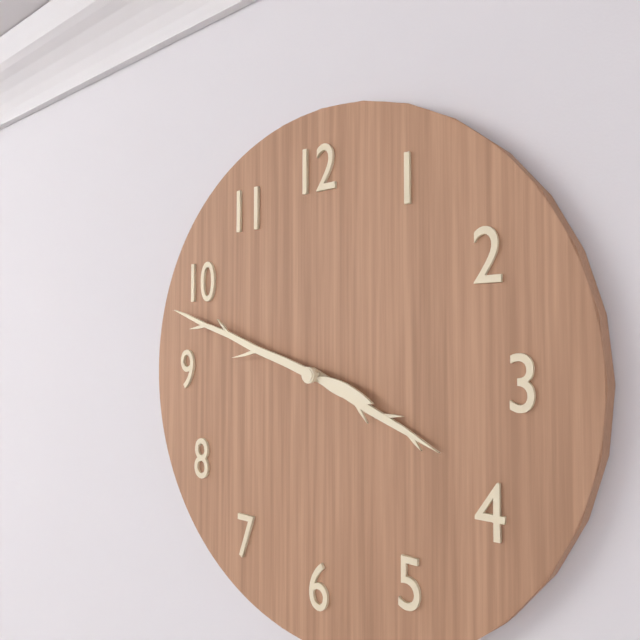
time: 3:48
